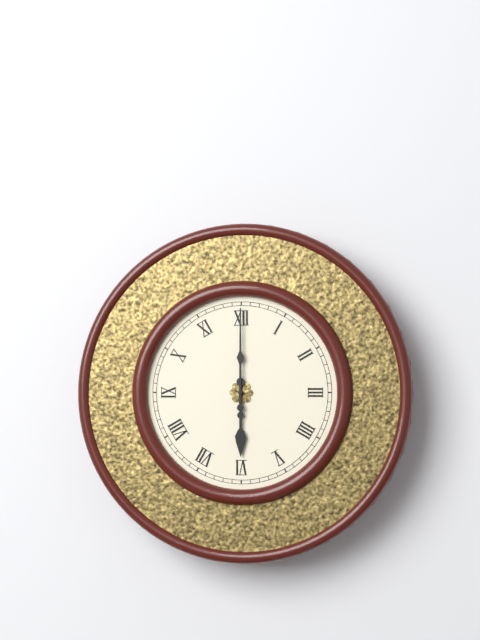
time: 6:00
